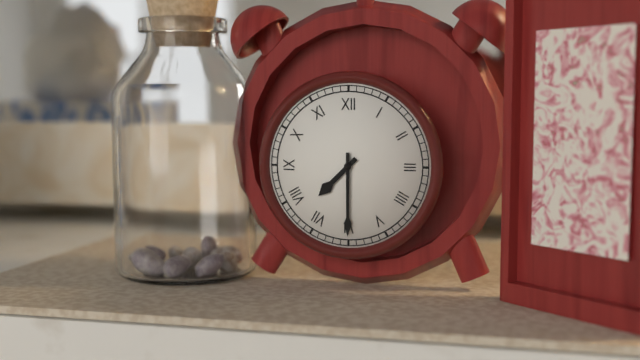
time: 7:30
